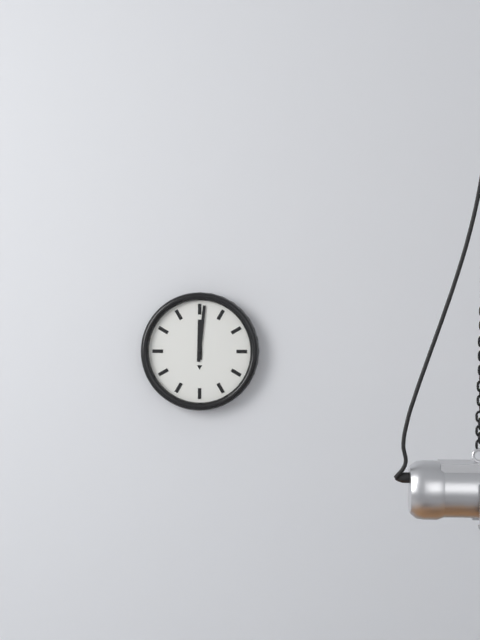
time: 12:01
